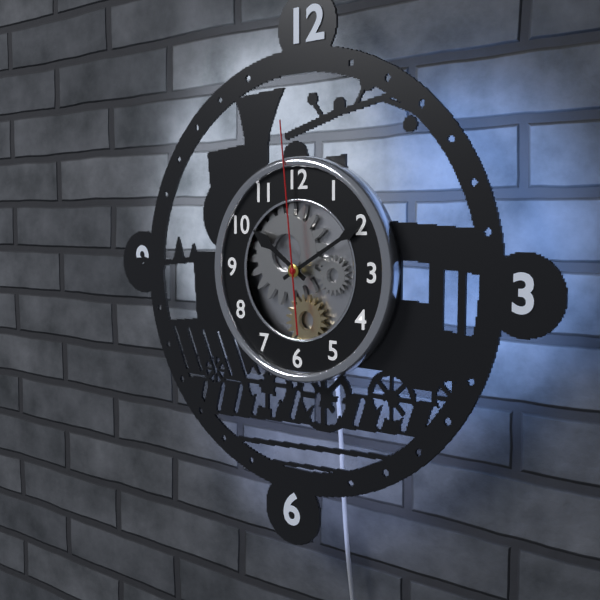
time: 10:10:59
